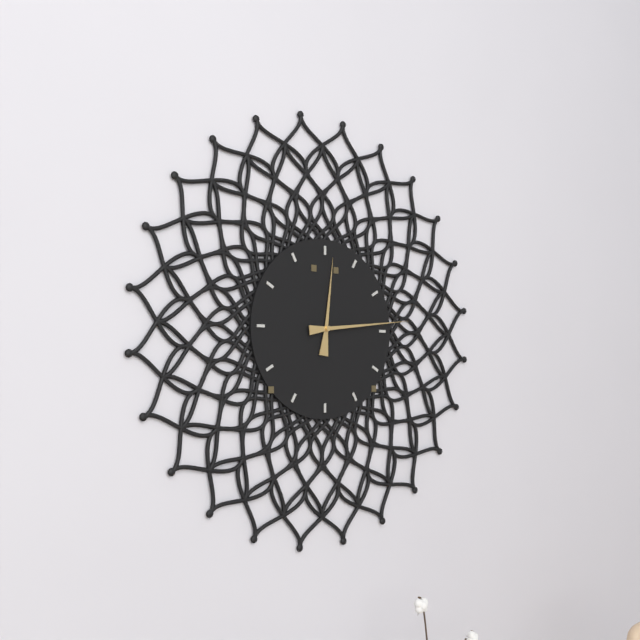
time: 12:14
